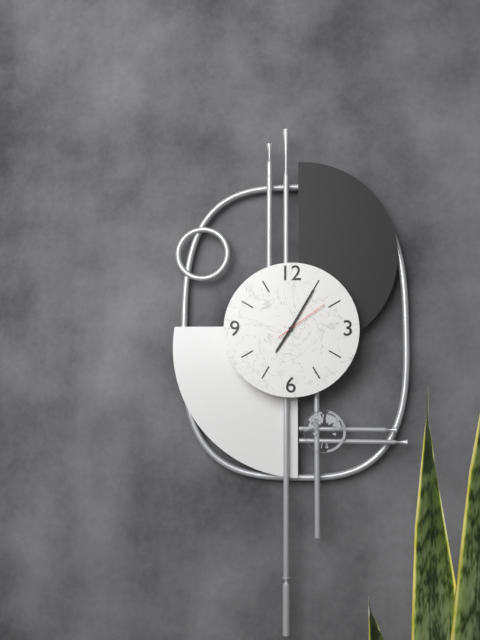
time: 7:05:09
